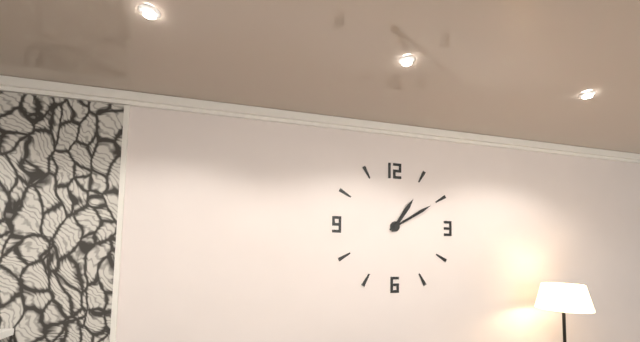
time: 1:10
